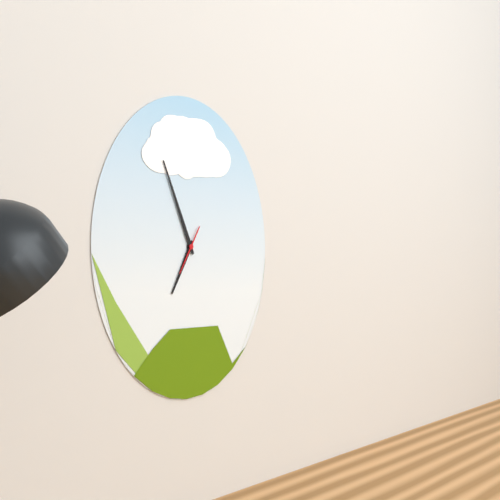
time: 6:56
